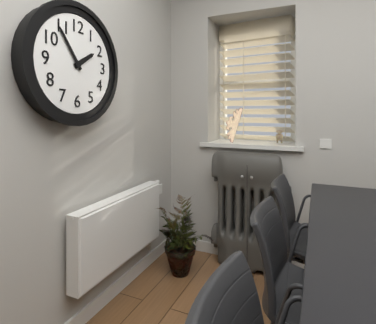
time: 1:54
